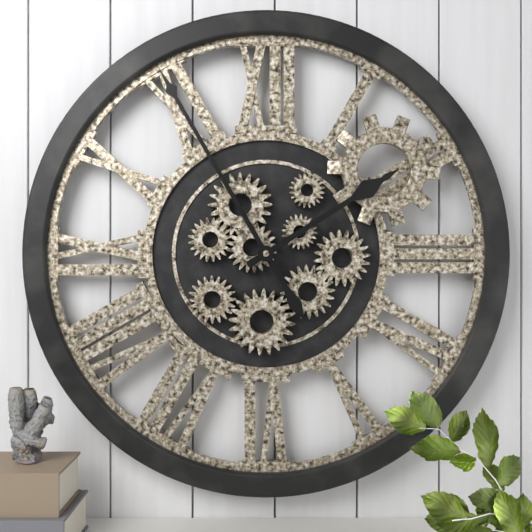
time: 1:55
